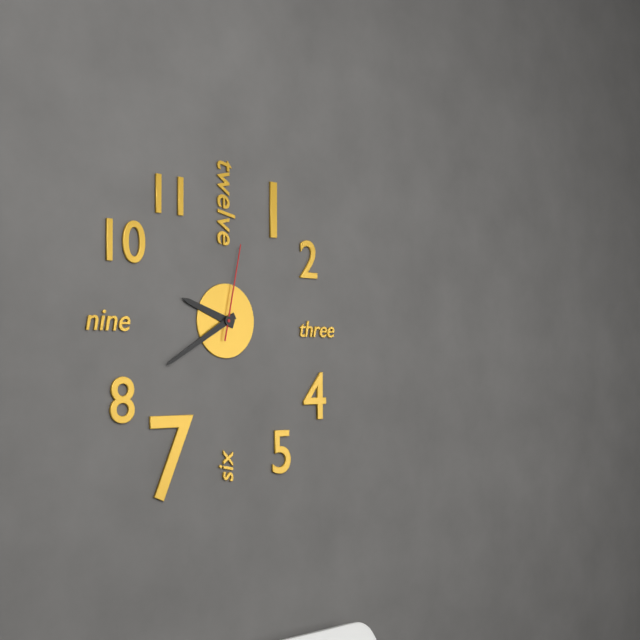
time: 9:40:02
